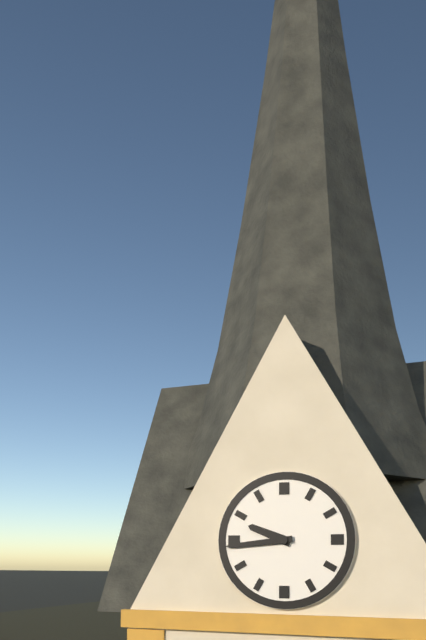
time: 9:44
